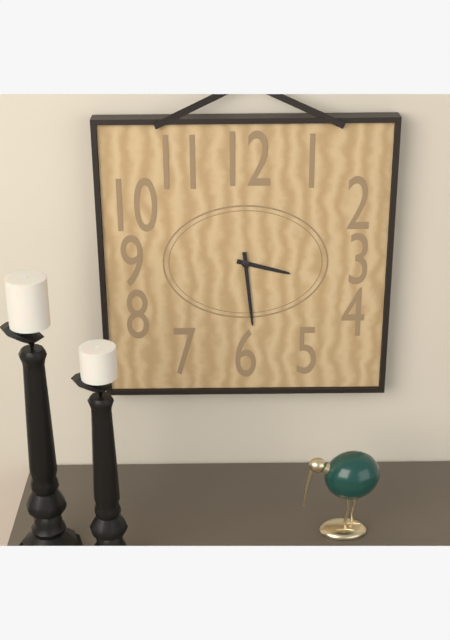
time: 3:29
